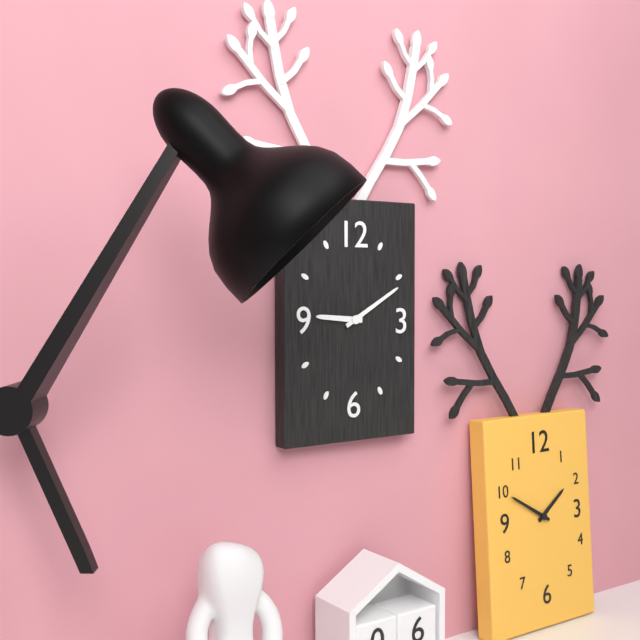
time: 9:10
